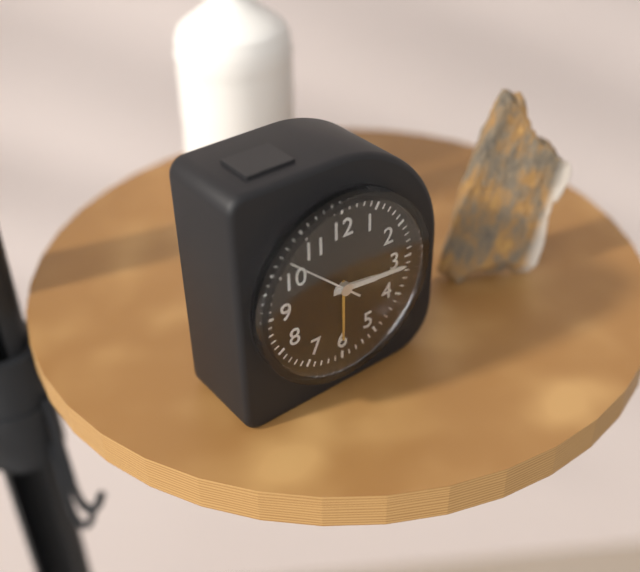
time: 3:16:52
